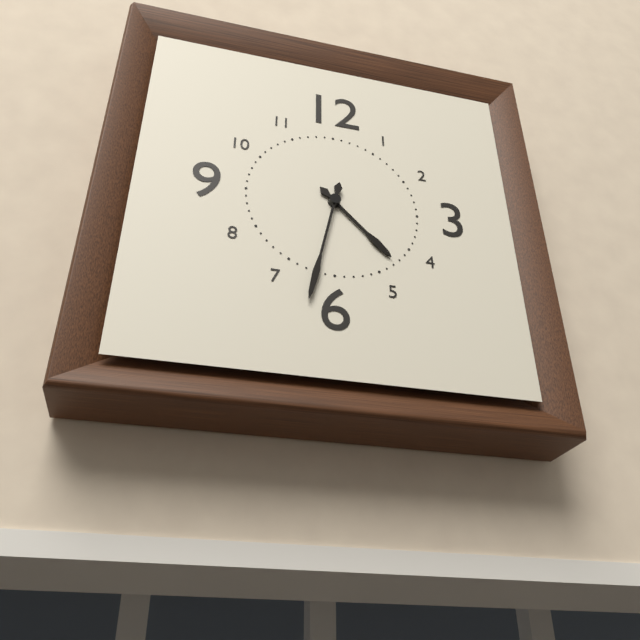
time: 4:32
